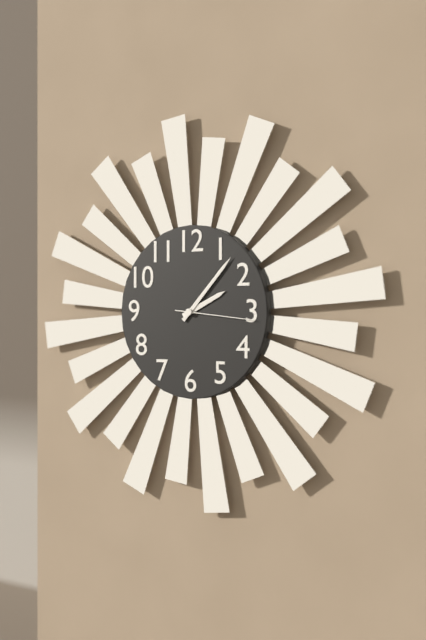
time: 2:07:16
